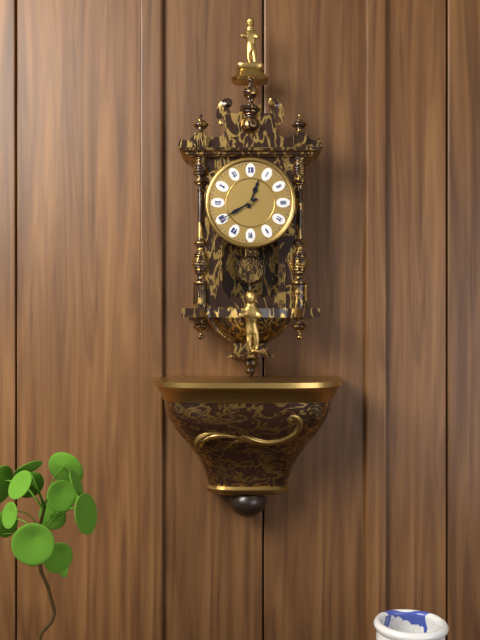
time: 12:40
